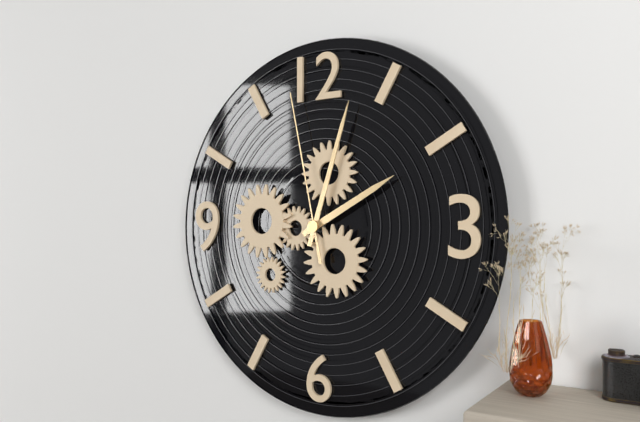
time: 2:03:58
